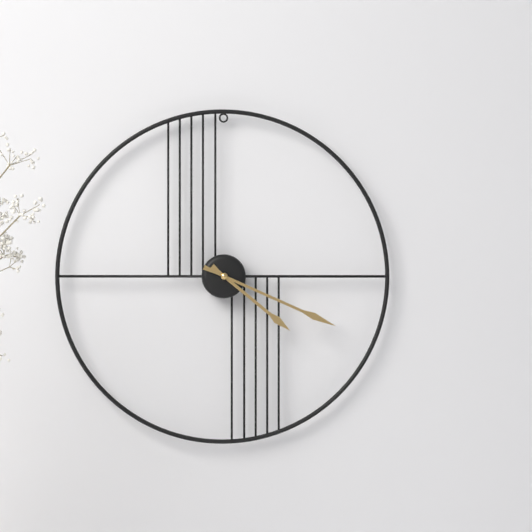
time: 4:19
